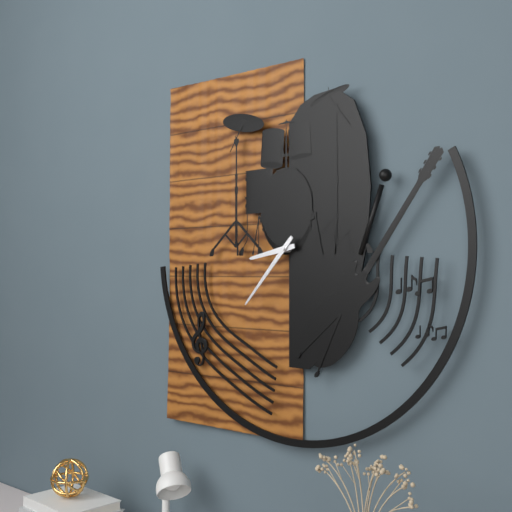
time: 8:37
